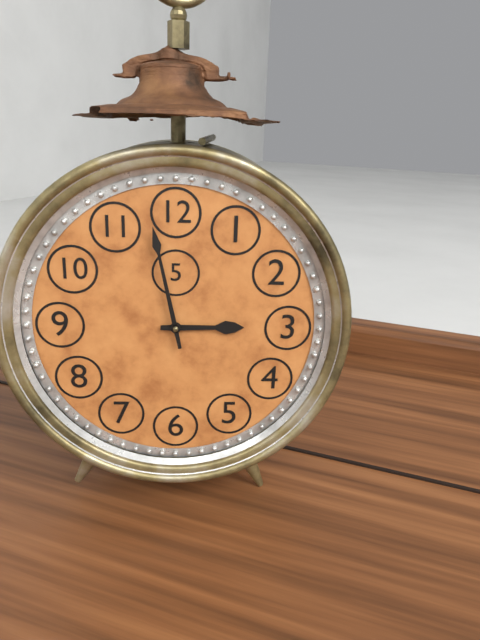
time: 2:58
